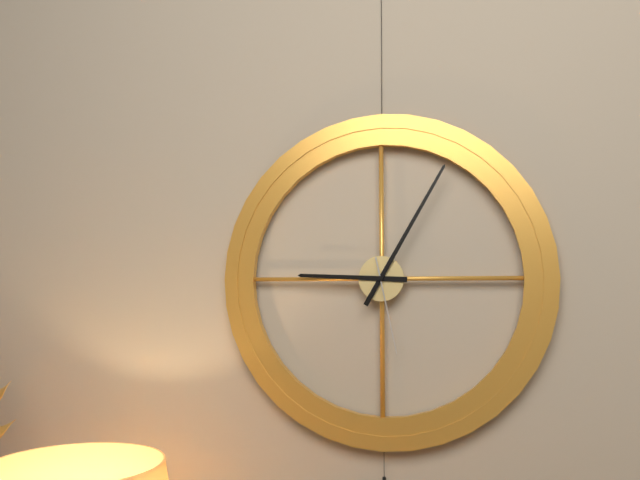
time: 9:05:28
